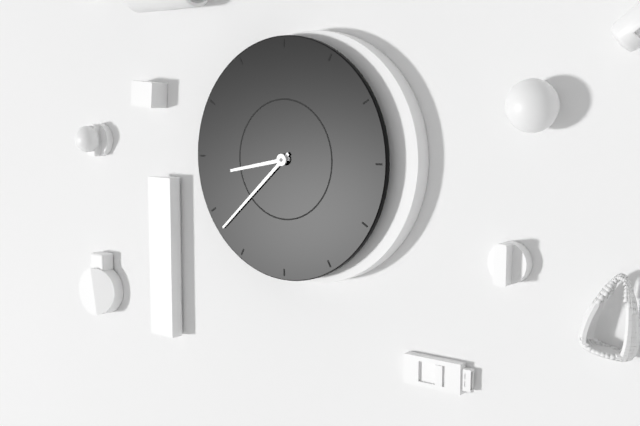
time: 8:38
